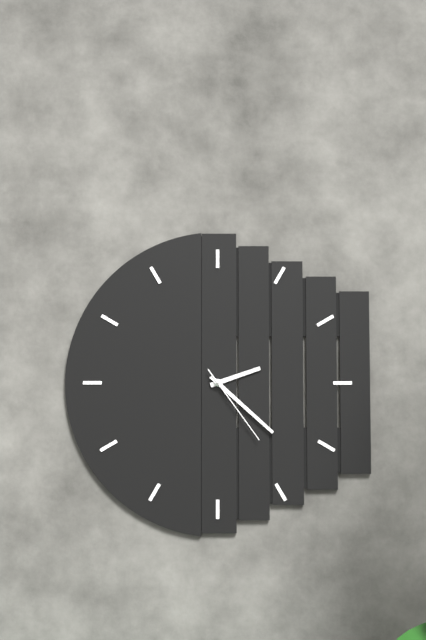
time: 2:22:24
